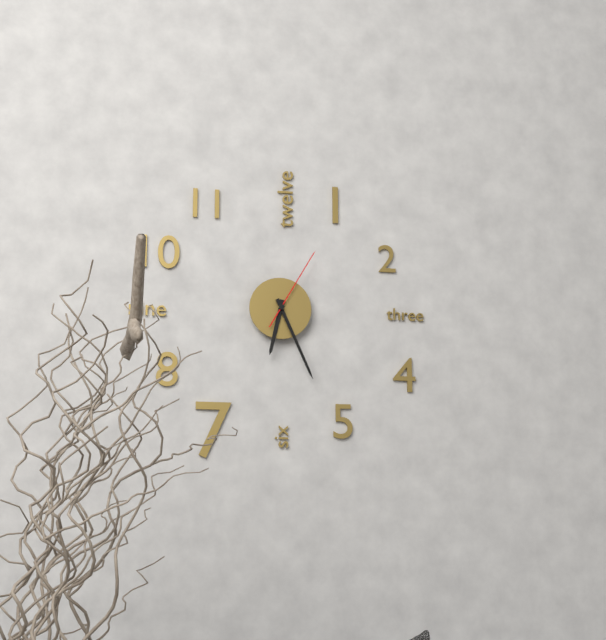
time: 6:26:05
